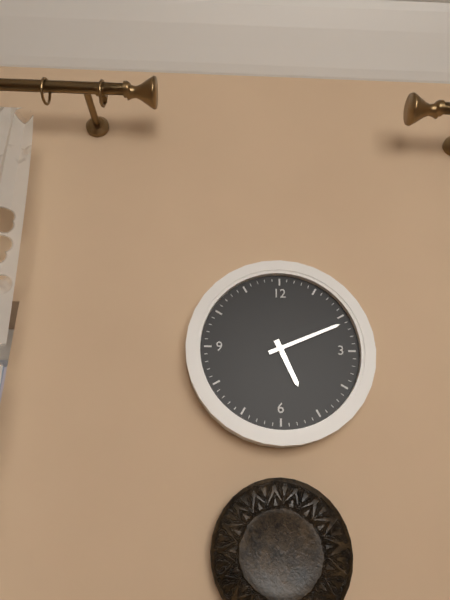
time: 5:11
